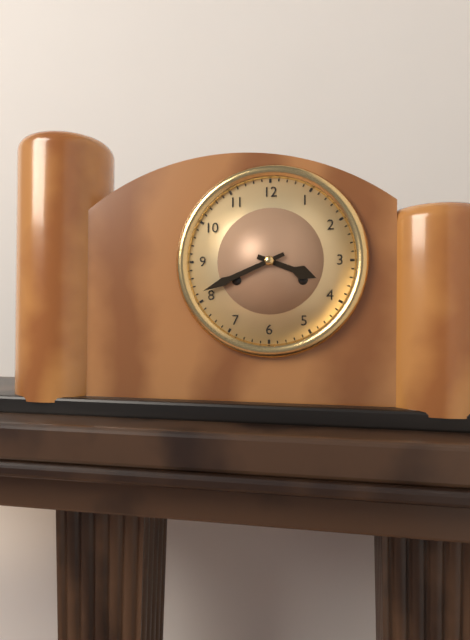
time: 3:41
